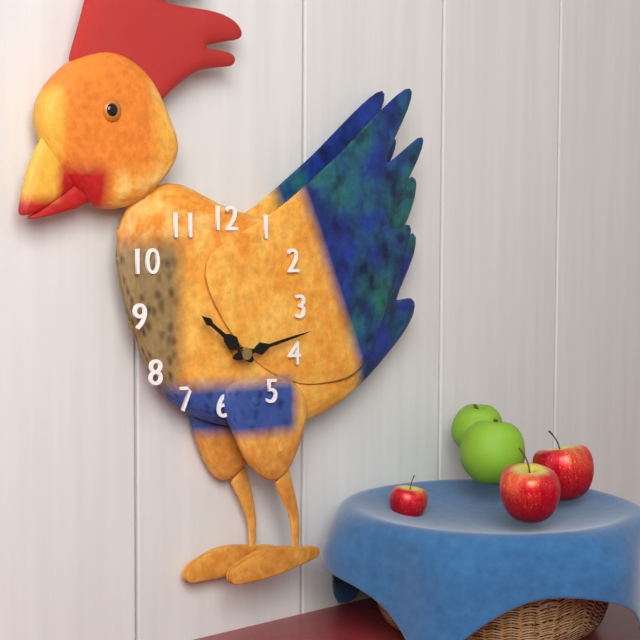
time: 10:13
